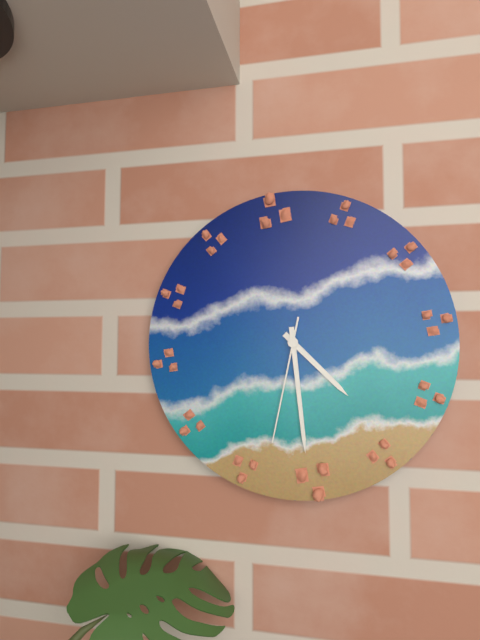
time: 4:29:32
